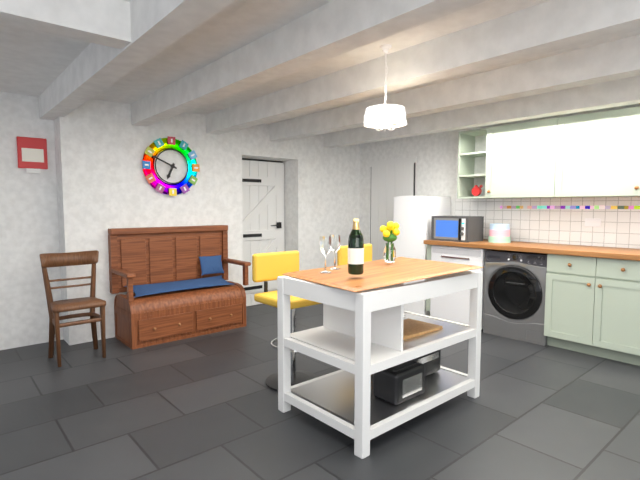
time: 6:49
